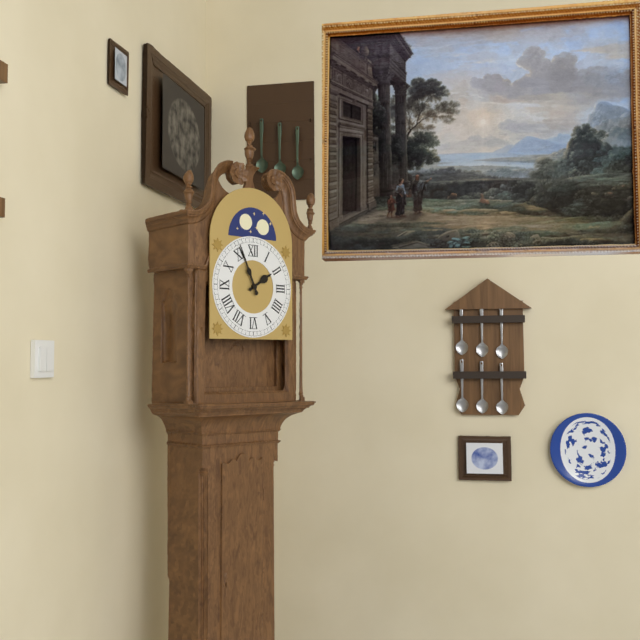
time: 1:56
